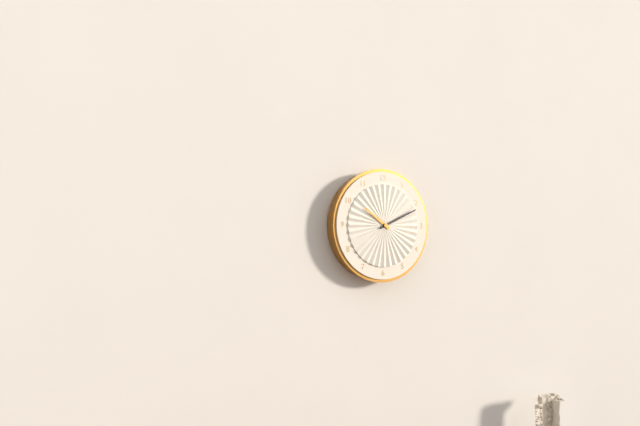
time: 10:11
